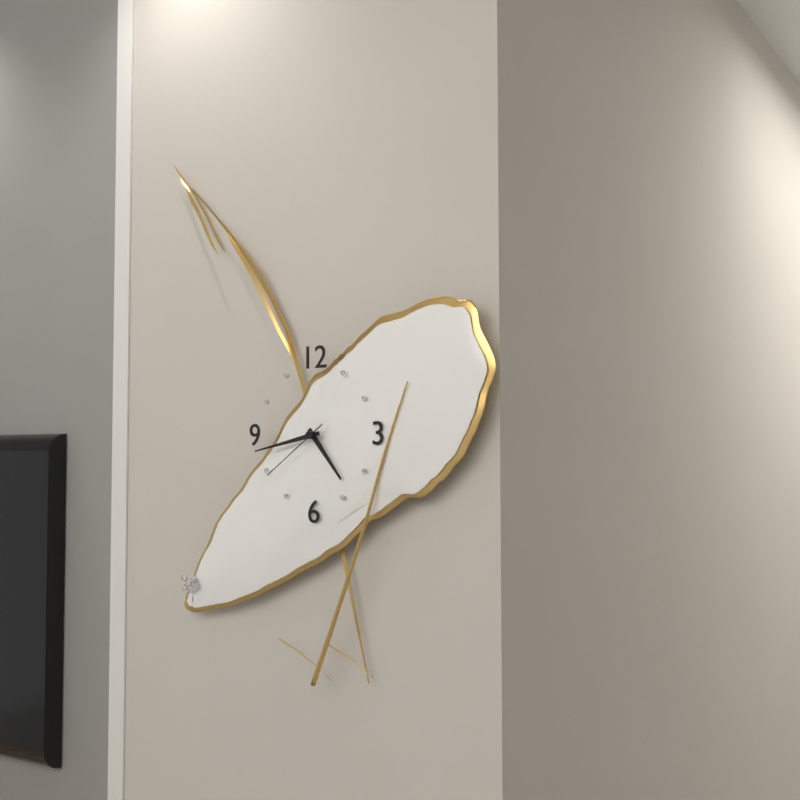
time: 4:43:39
